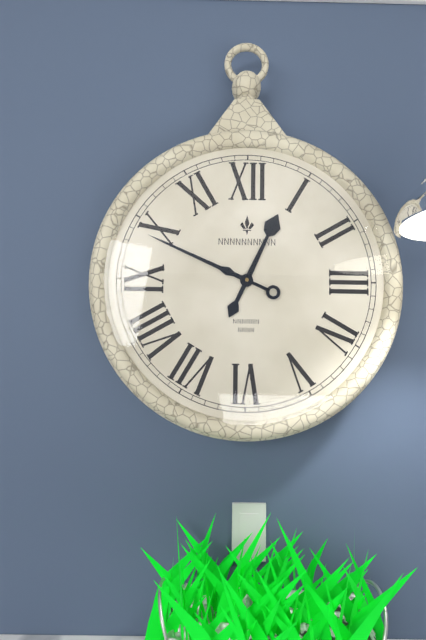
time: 12:49
